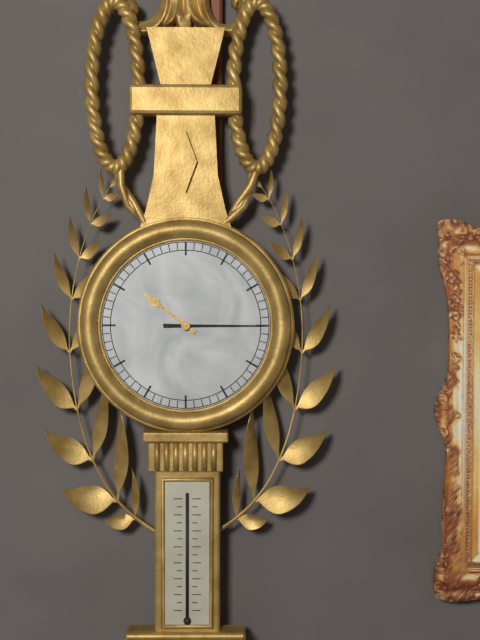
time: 10:15
